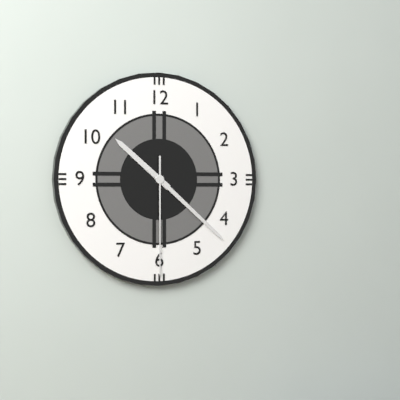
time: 10:22:30
